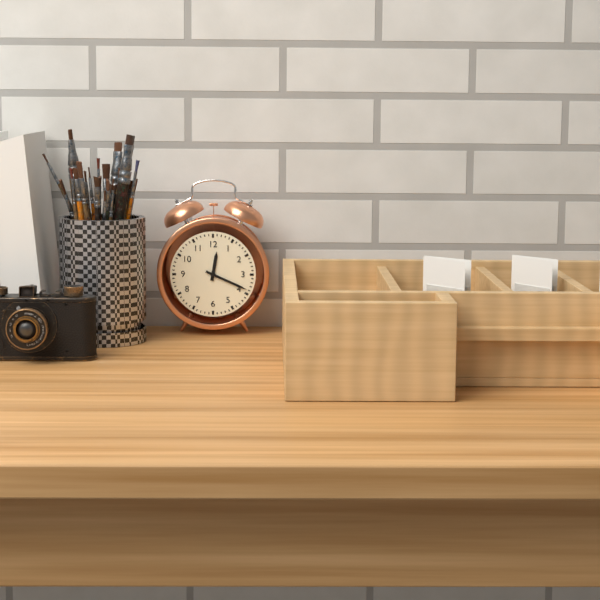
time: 12:19
